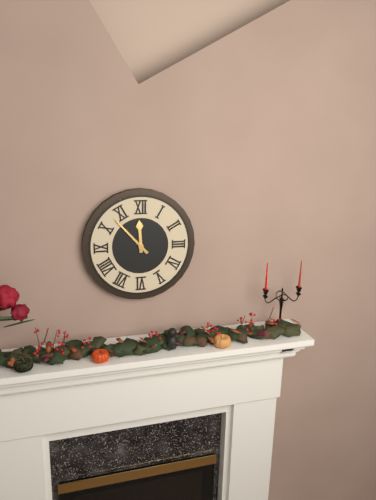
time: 11:53
